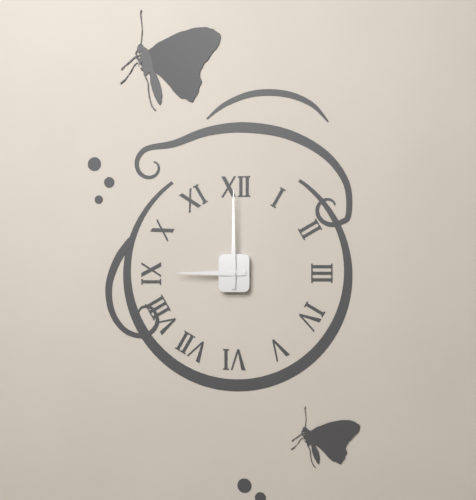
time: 9:00
